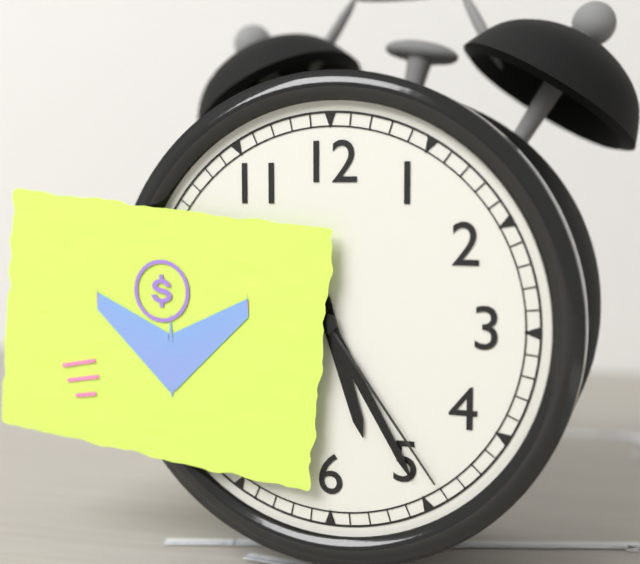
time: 5:25:24
